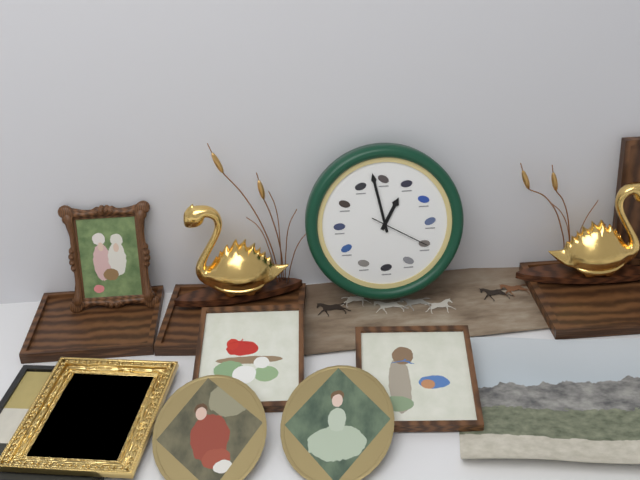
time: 12:58:20
